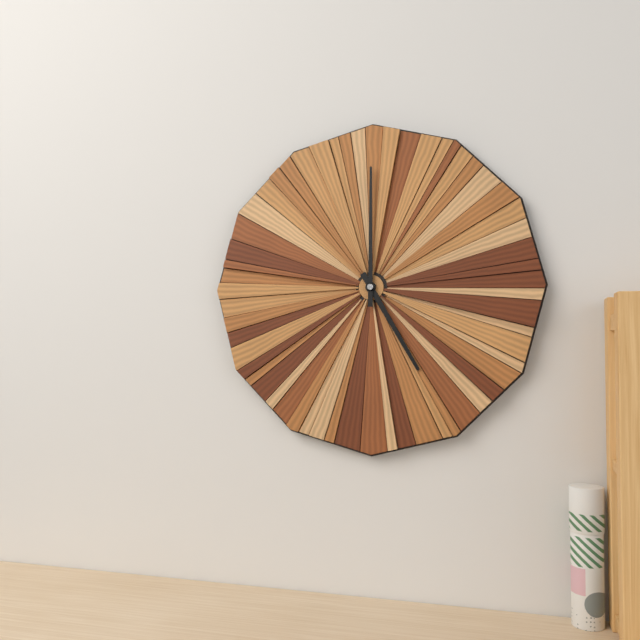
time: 5:00
